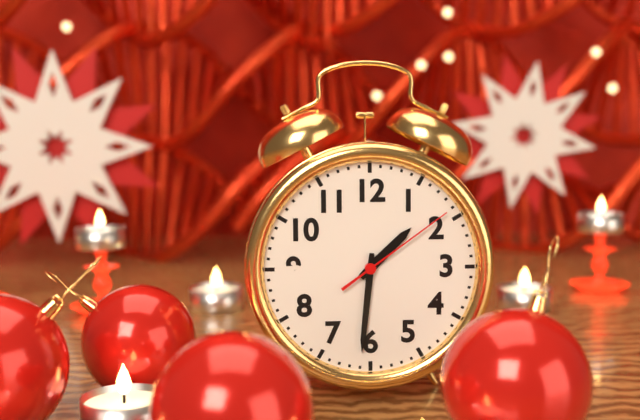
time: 1:31:09
